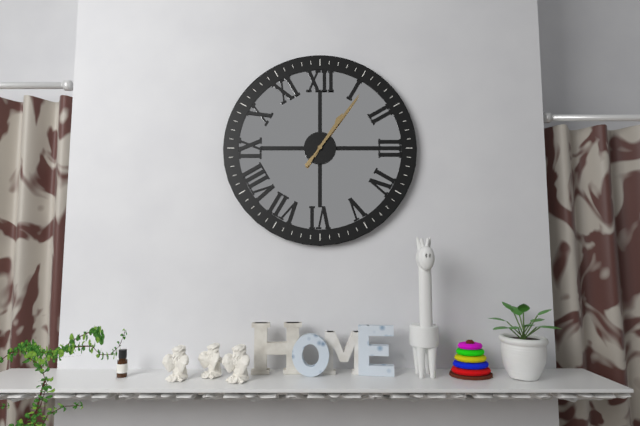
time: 1:06
